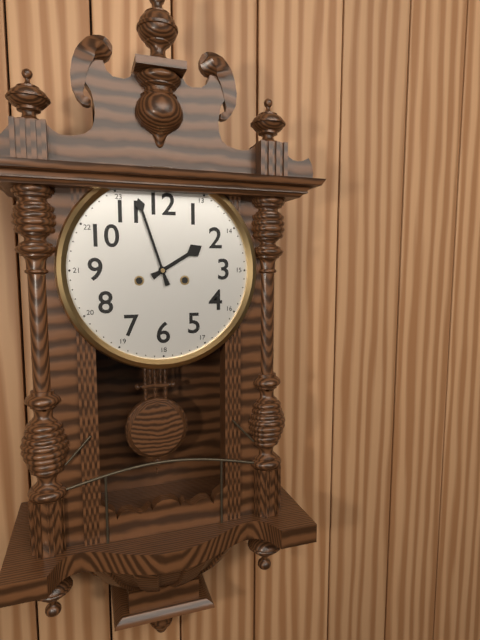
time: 1:57
